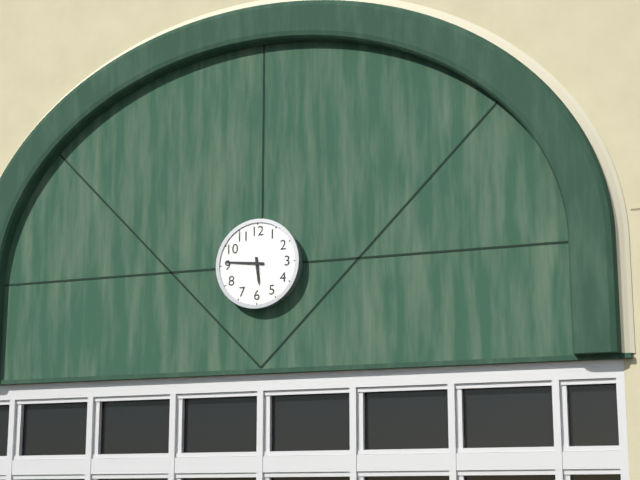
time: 5:46
